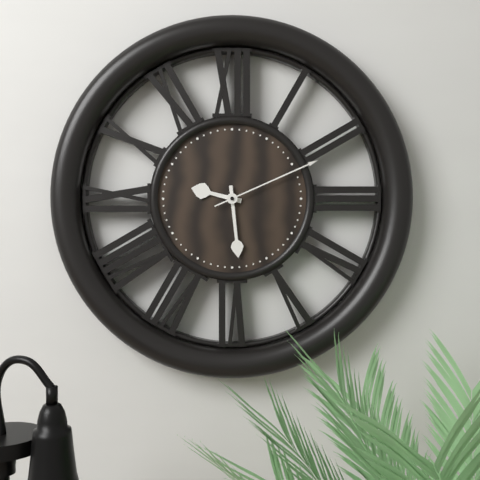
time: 9:29:11
